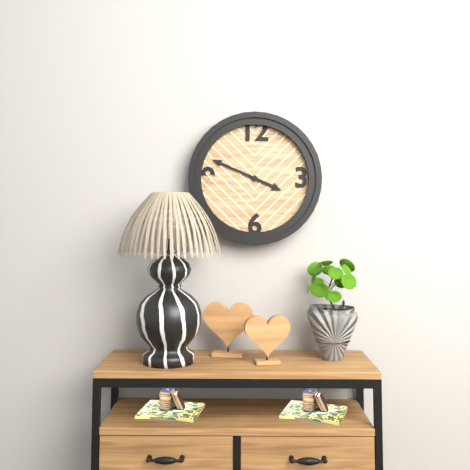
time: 3:49
